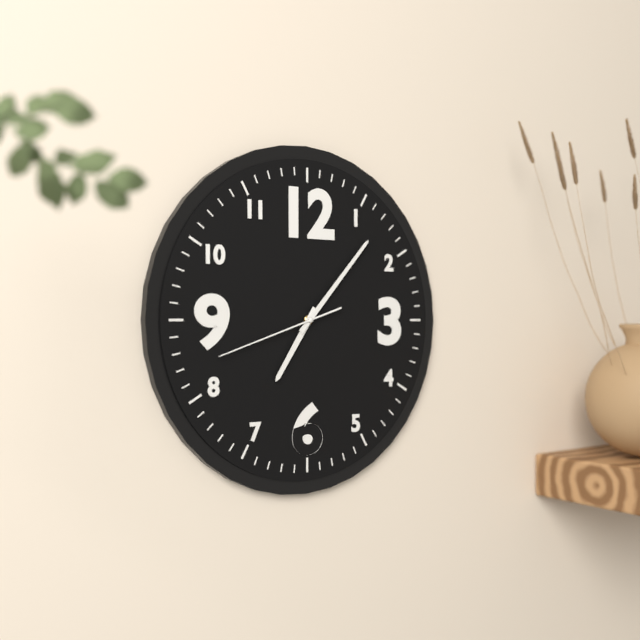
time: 7:07:42
